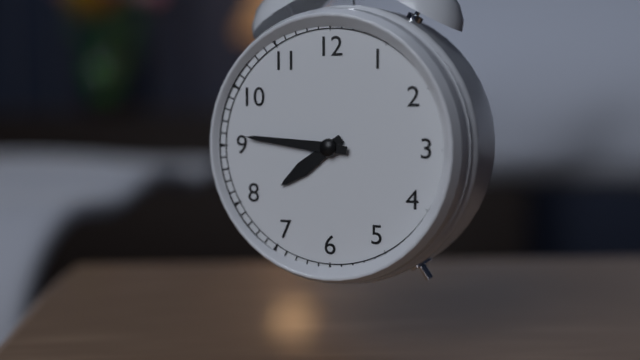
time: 7:46
